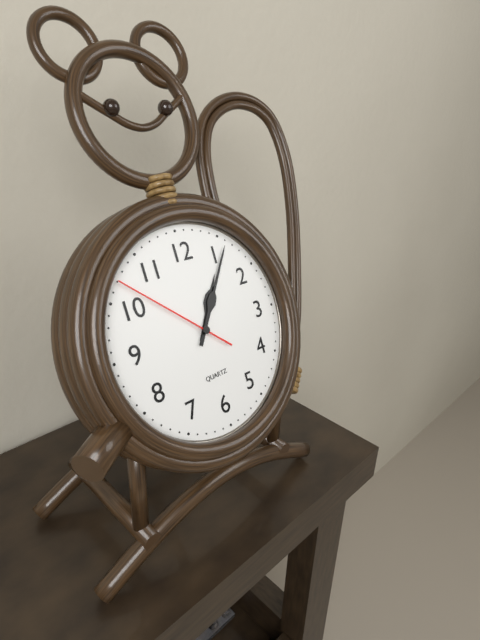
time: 1:06:52
